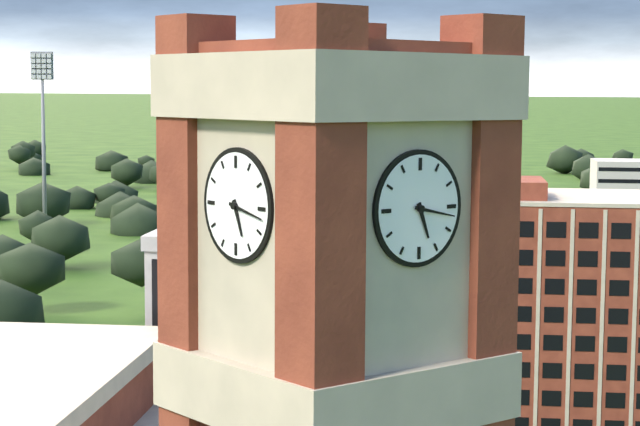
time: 5:17
